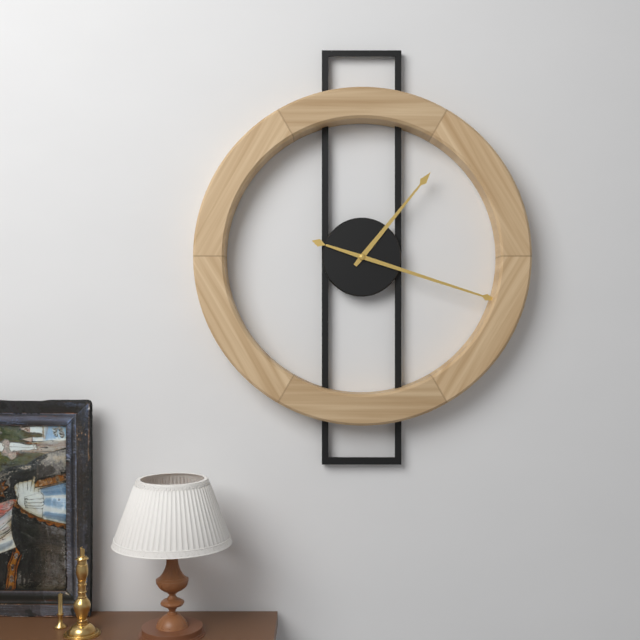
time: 1:18
